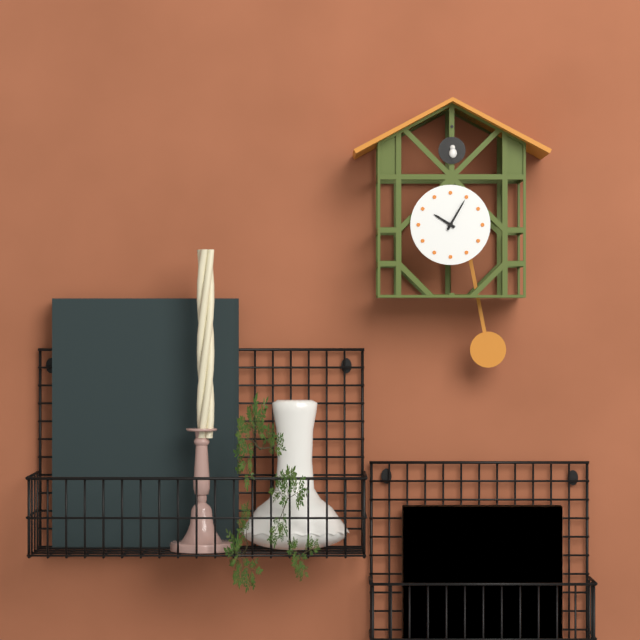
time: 10:05
